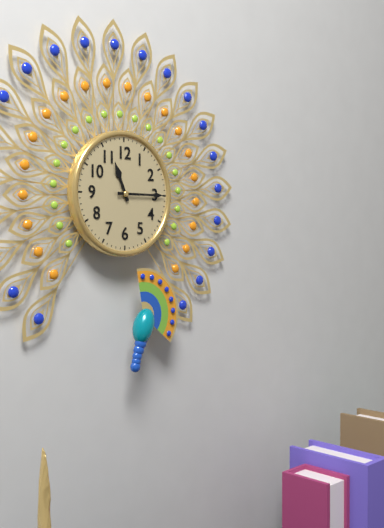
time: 11:15
